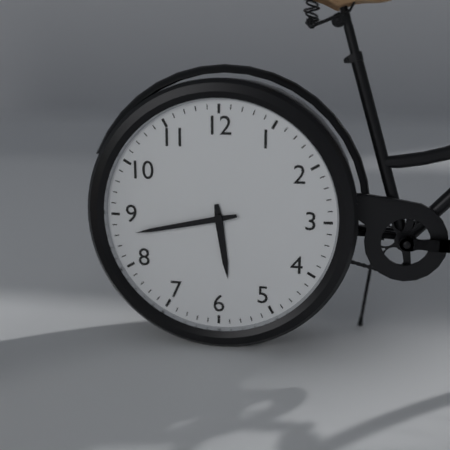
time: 5:43
